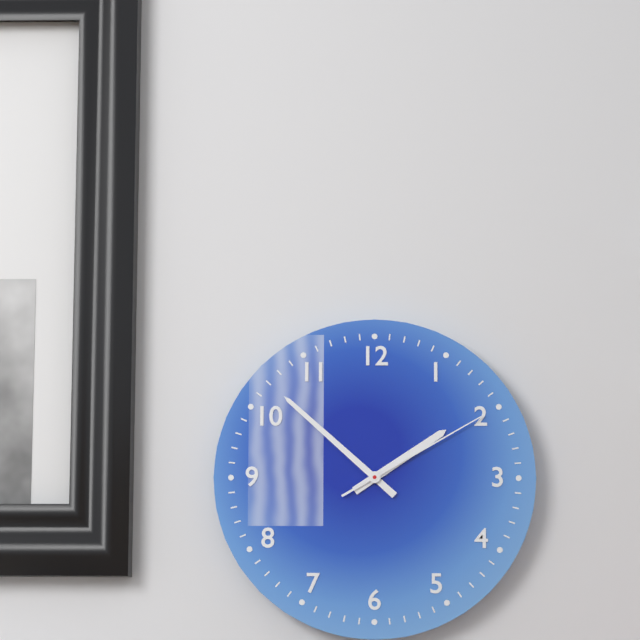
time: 1:52:10
